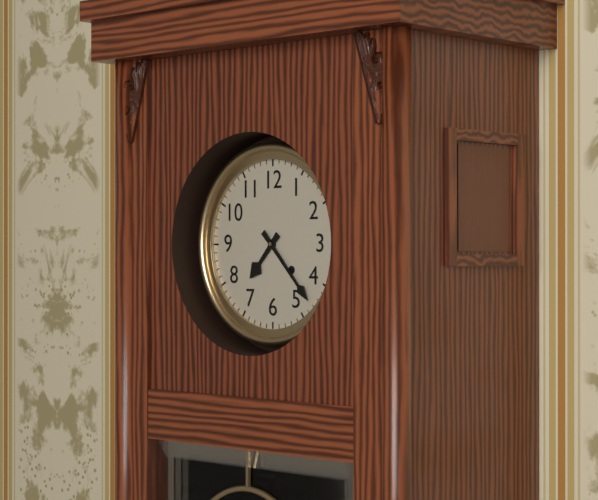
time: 7:23
